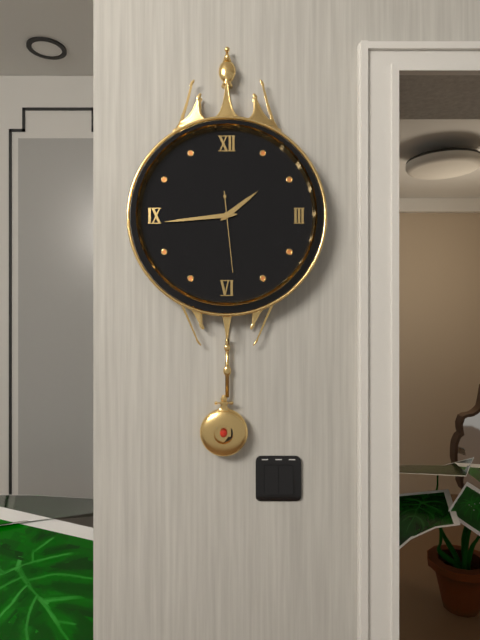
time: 1:44:29
